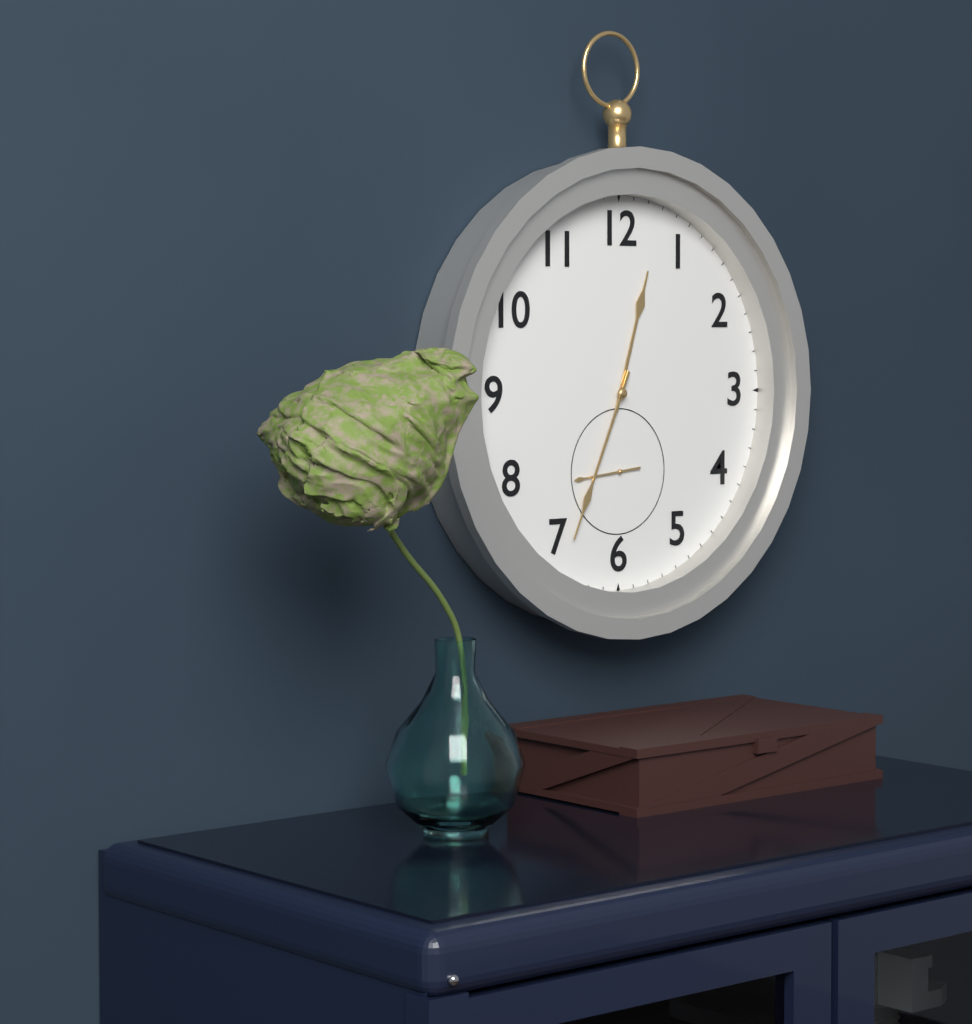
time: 12:34:44
